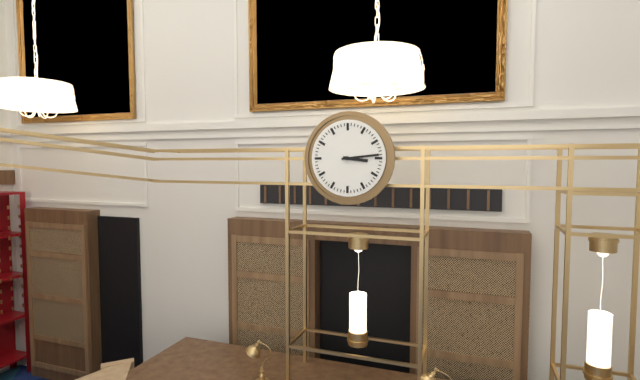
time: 3:14
